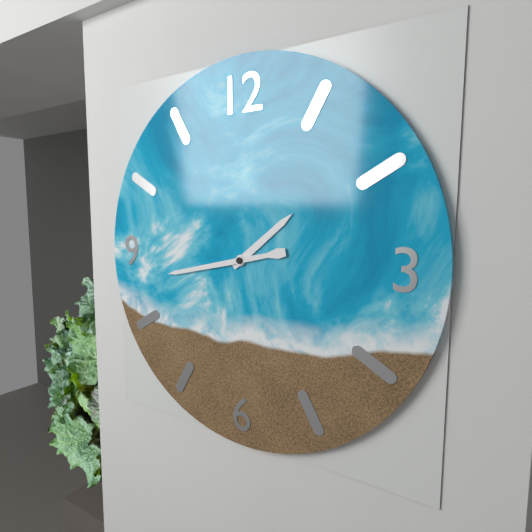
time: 1:43
